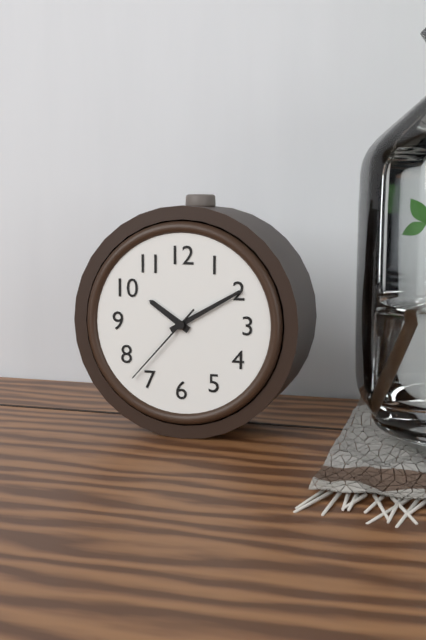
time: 10:10:37
